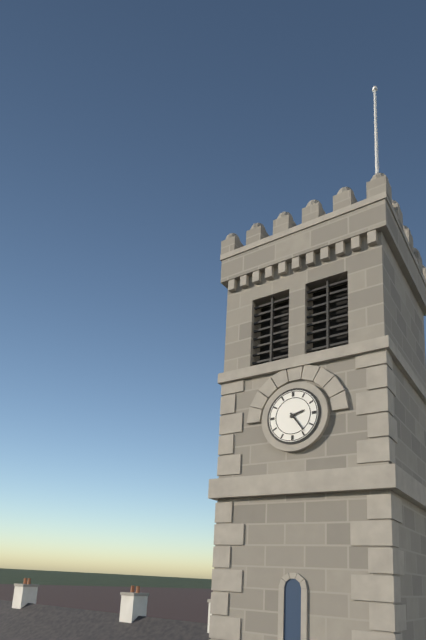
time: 2:24
